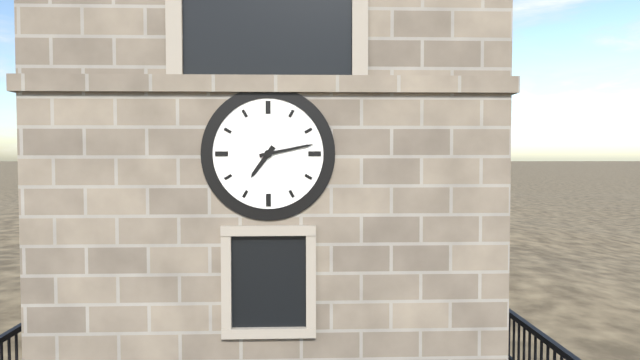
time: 7:13
